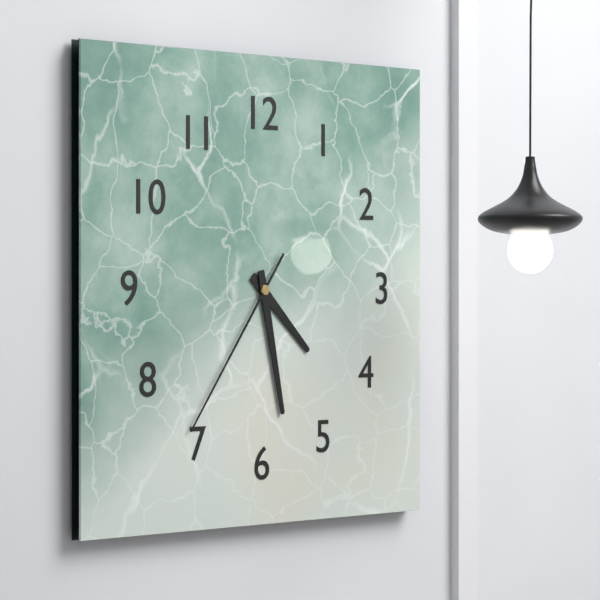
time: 4:28:36
